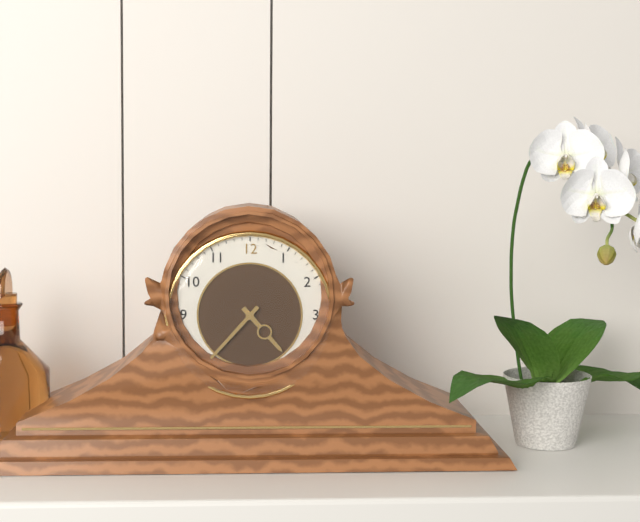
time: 4:37
